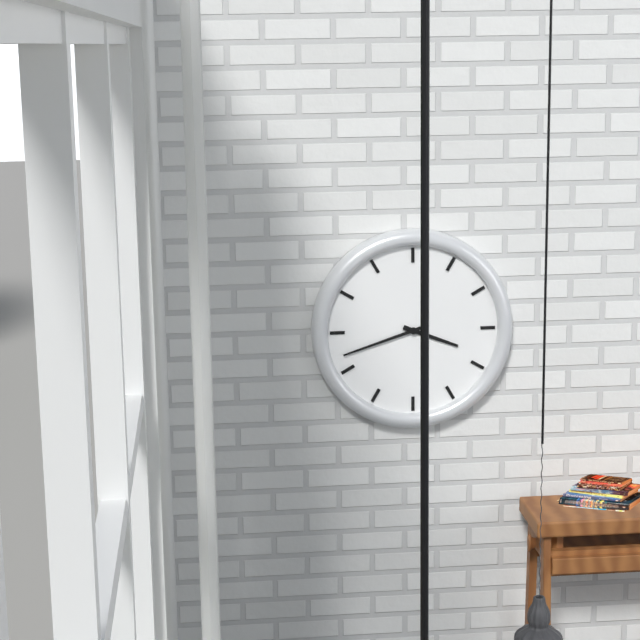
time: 3:42
